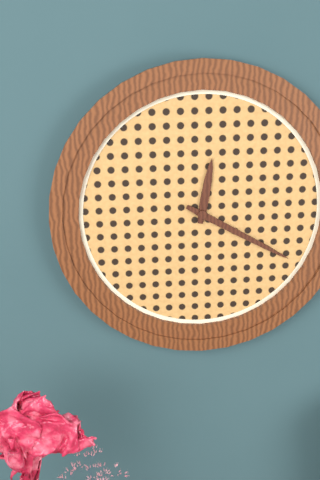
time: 12:20
